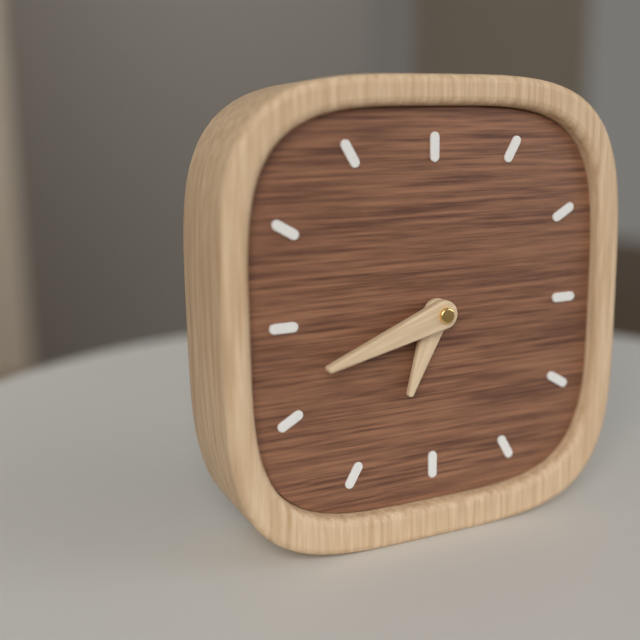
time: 6:42
